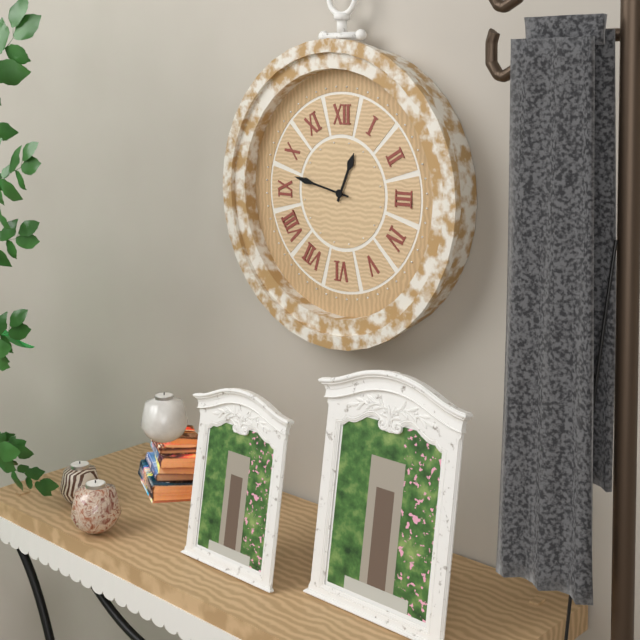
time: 12:47
